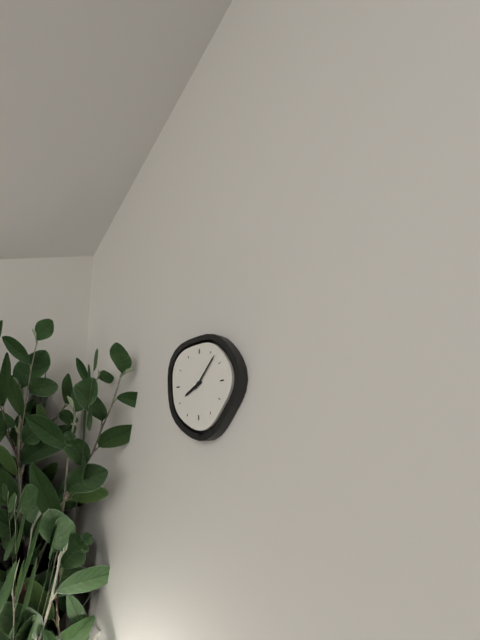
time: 8:07
